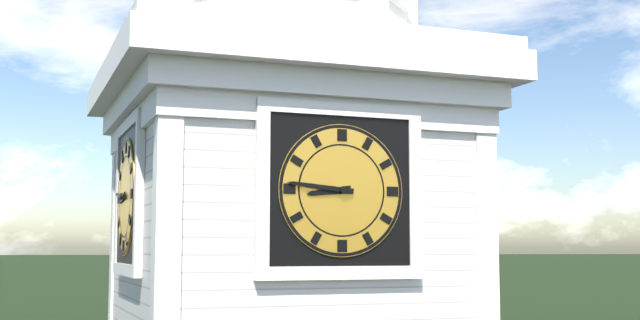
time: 8:46
